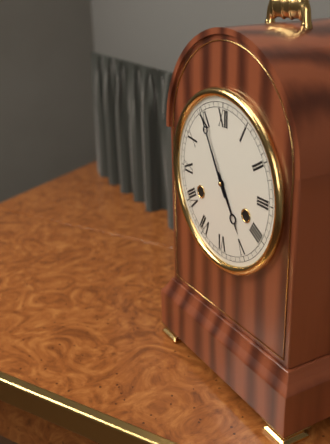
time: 4:55
